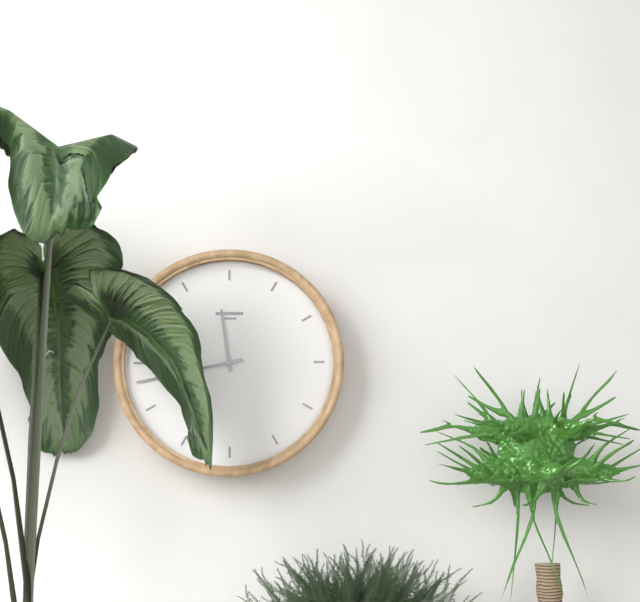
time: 11:43
